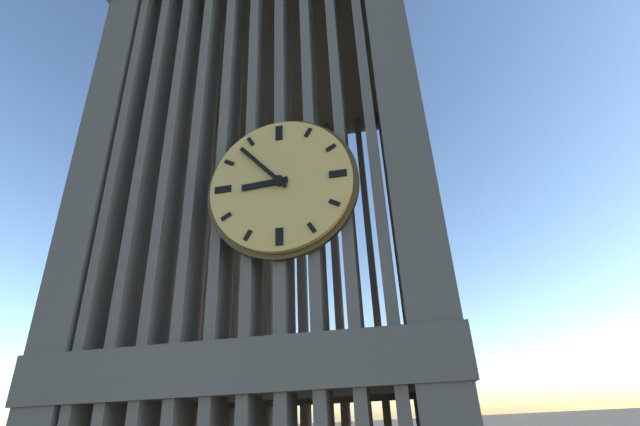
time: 8:53
